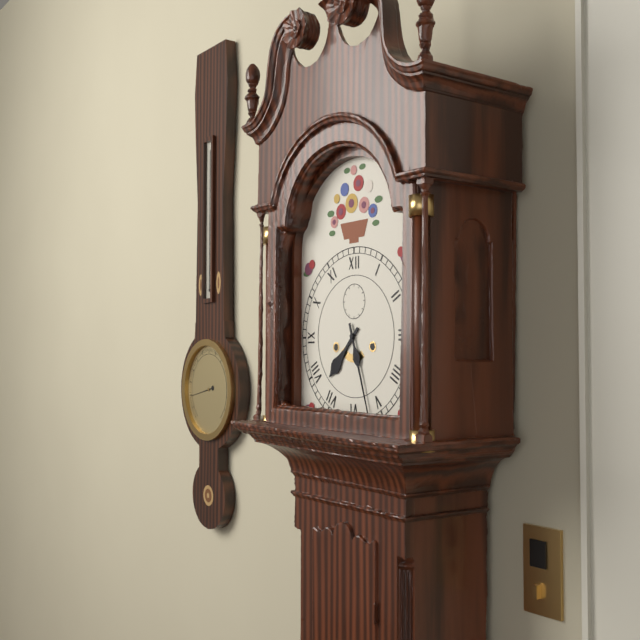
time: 7:27
